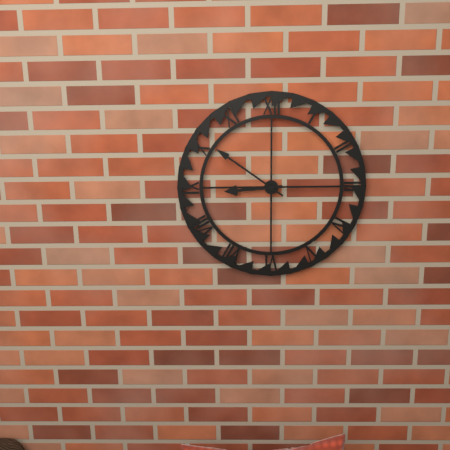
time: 8:51
